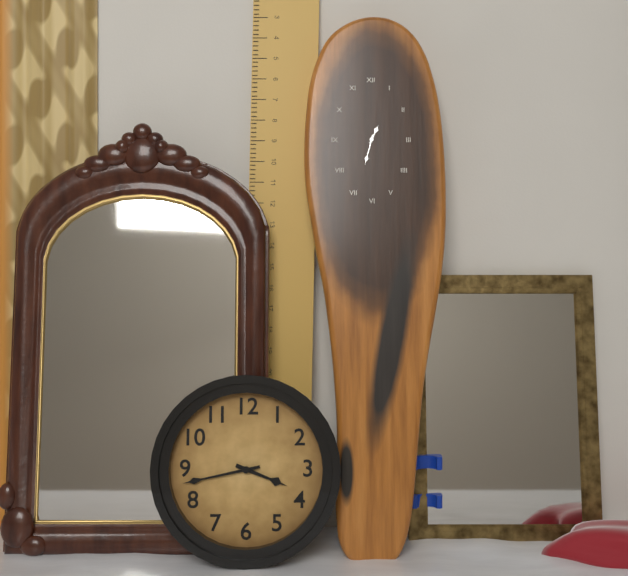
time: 3:43
